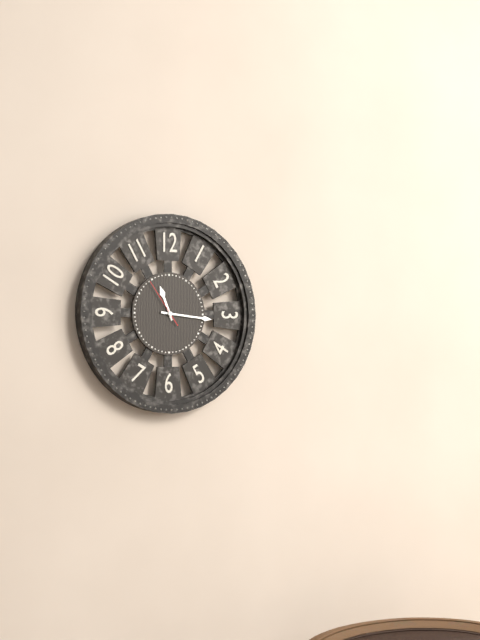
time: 11:16
